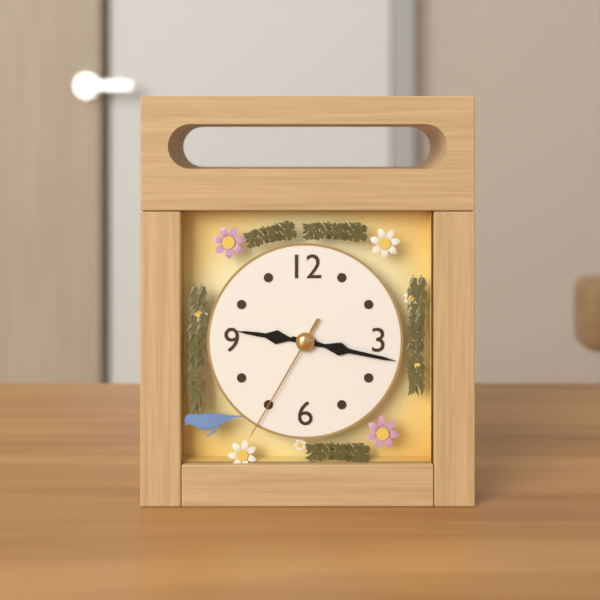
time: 9:17:35
